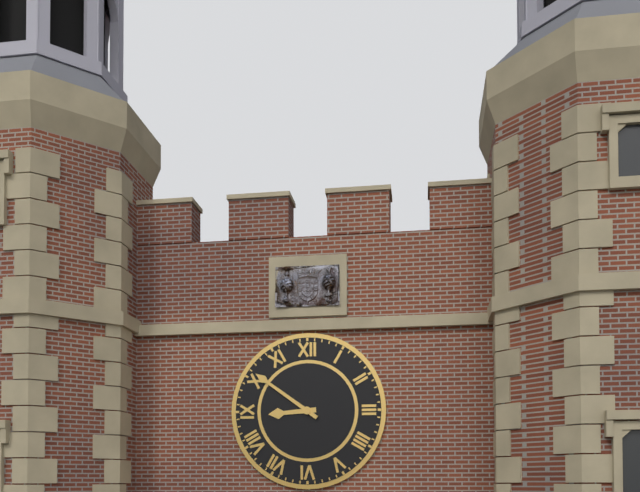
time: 8:51
